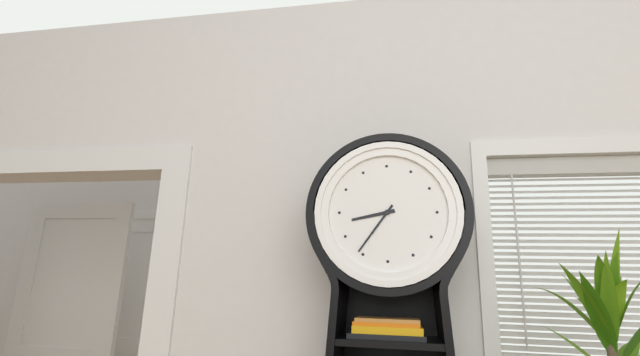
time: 8:36
